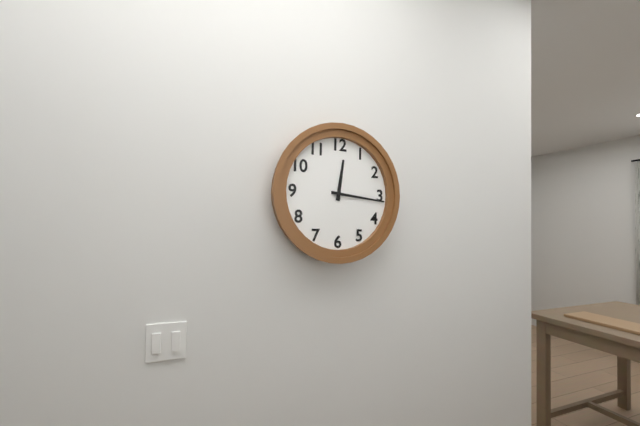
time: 12:16
